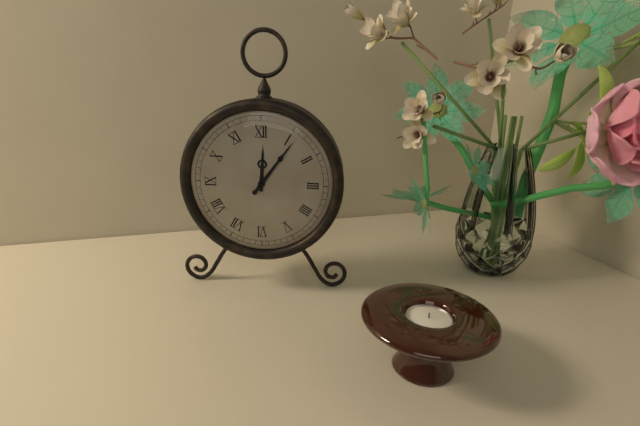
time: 12:06
